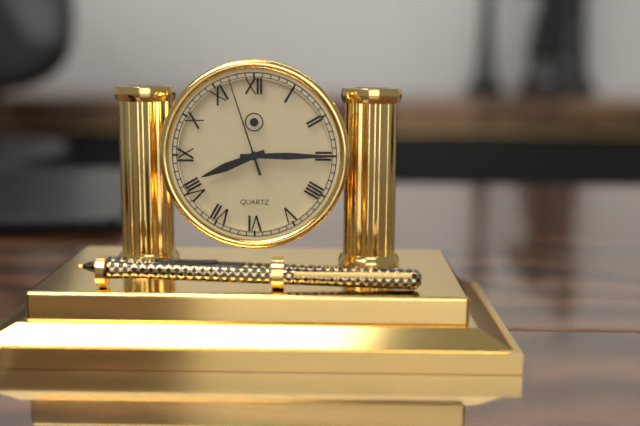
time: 8:15:57
